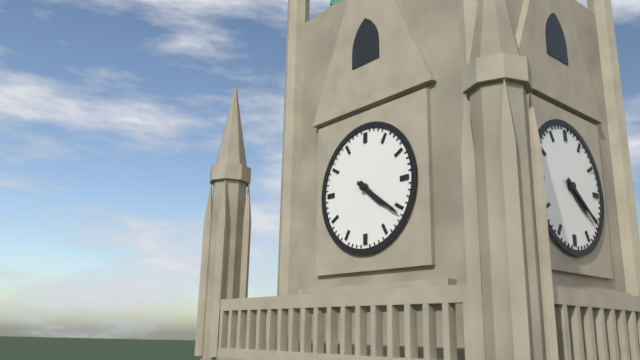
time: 4:21
